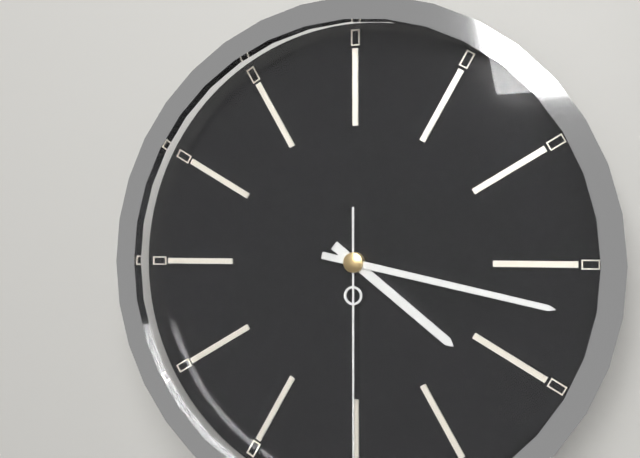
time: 4:17
